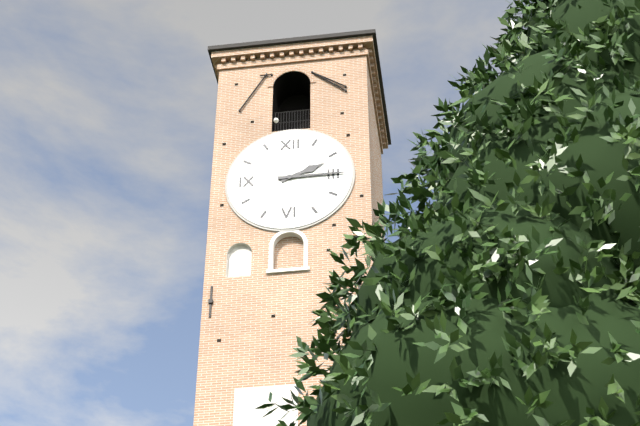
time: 2:15
